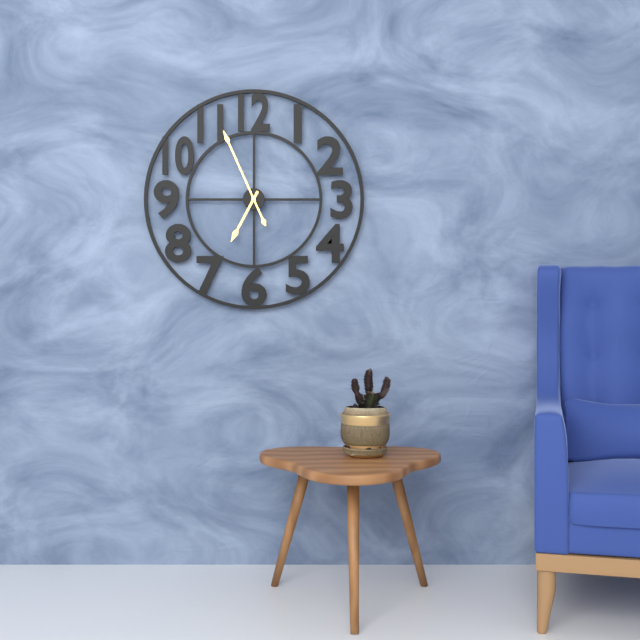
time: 6:56
